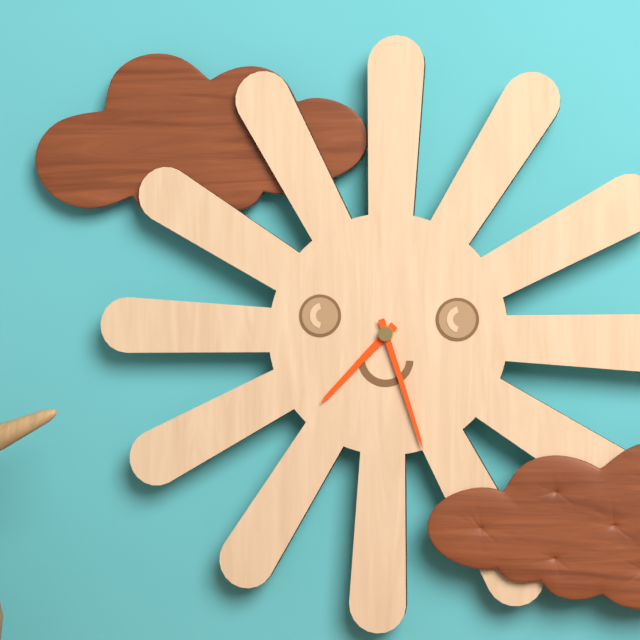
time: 7:27
